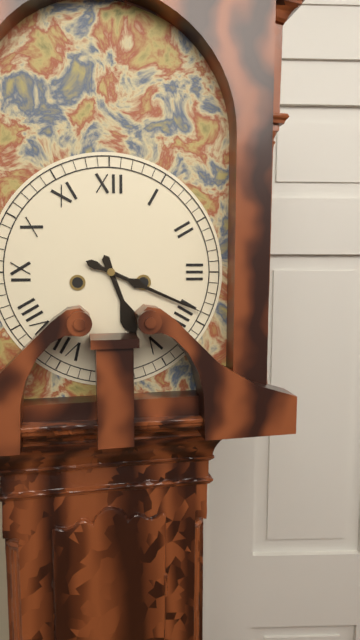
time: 5:19
